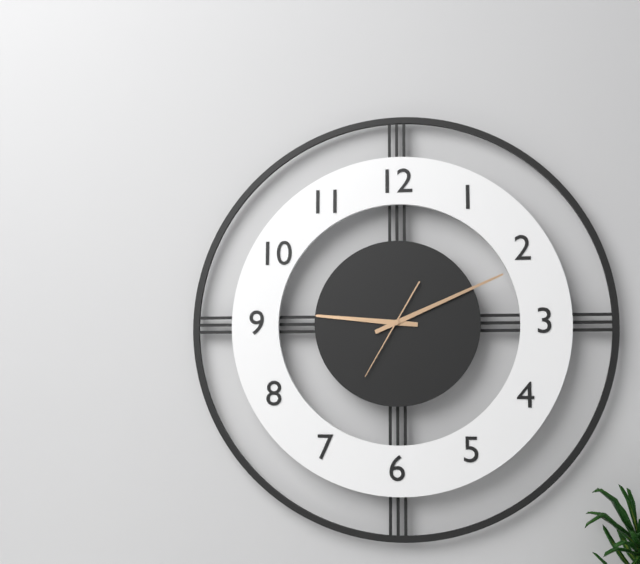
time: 9:11:35
